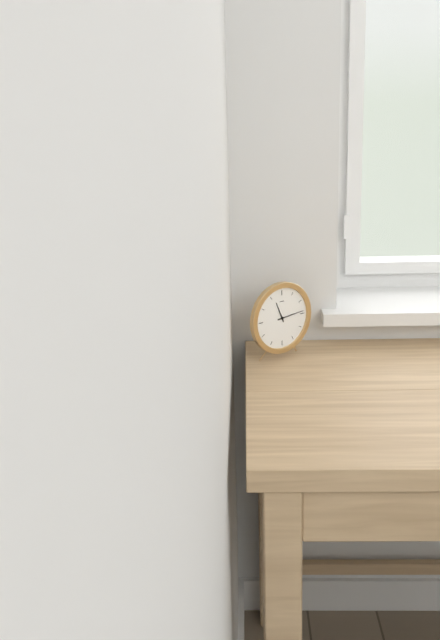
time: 11:14
